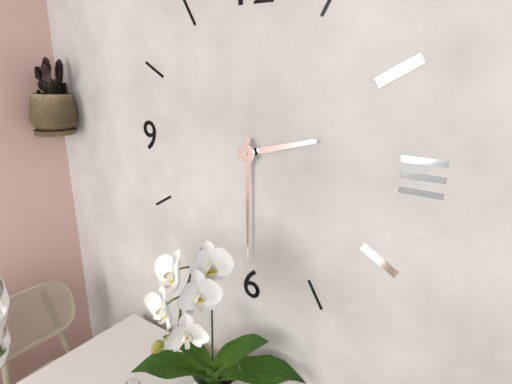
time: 2:30
